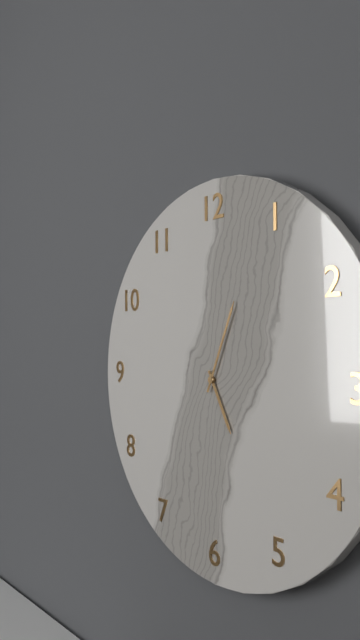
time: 5:04
